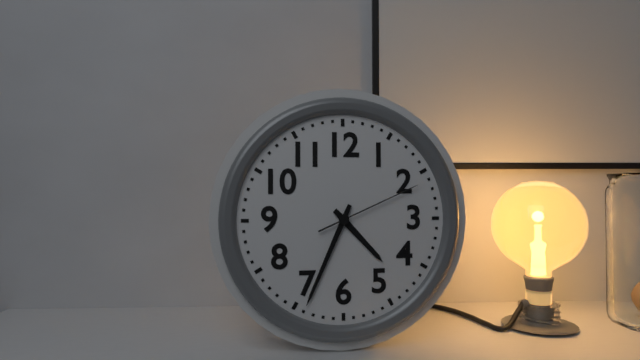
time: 4:34:11
